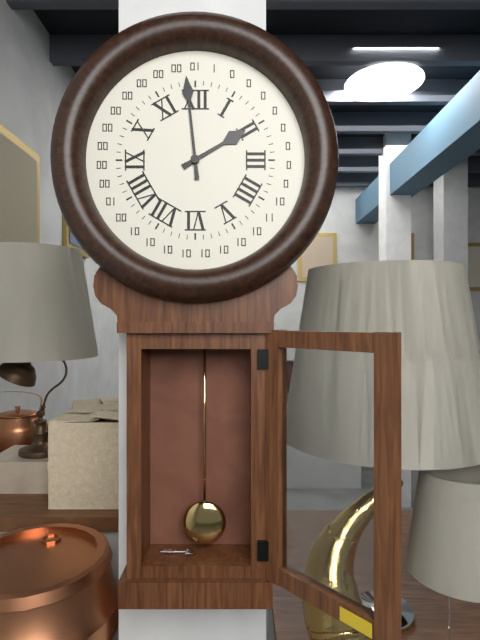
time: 1:59
